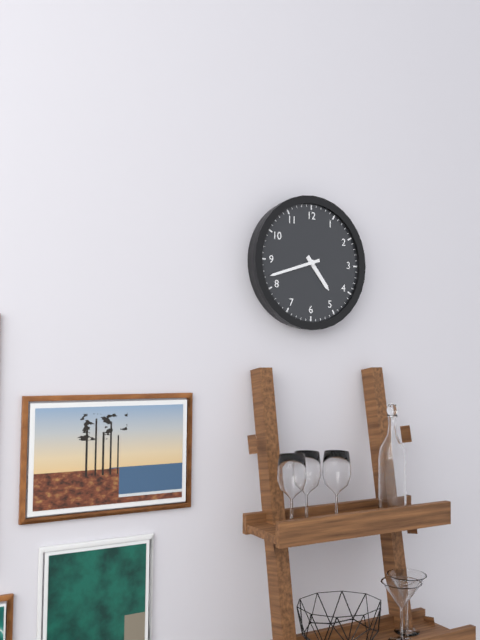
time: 4:42
